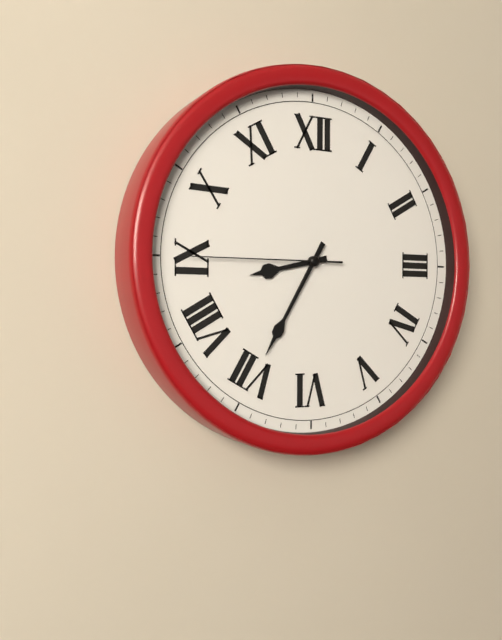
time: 8:35:45
